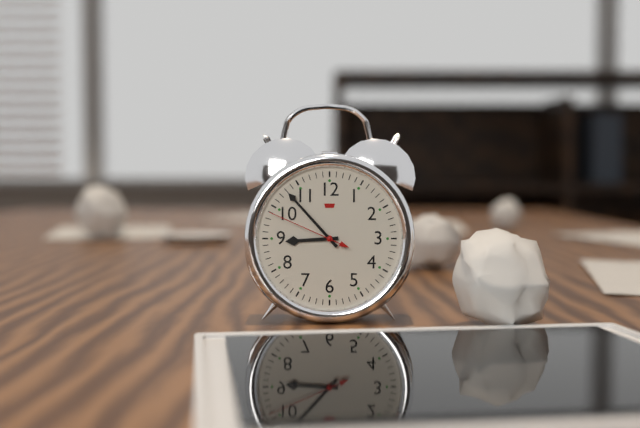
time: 8:53:49
